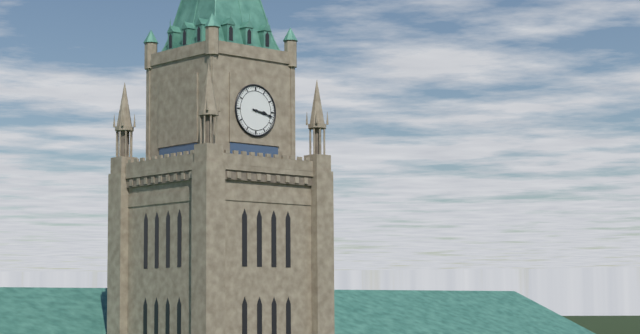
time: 3:17
